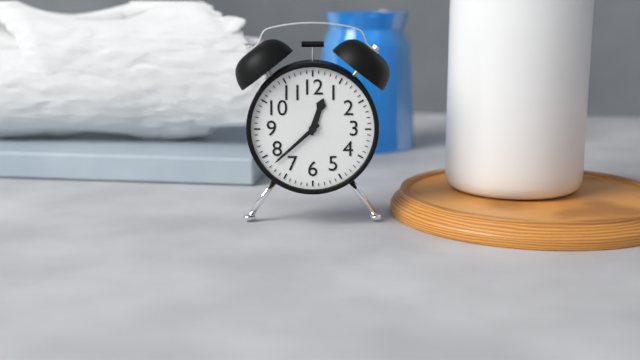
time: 12:38
